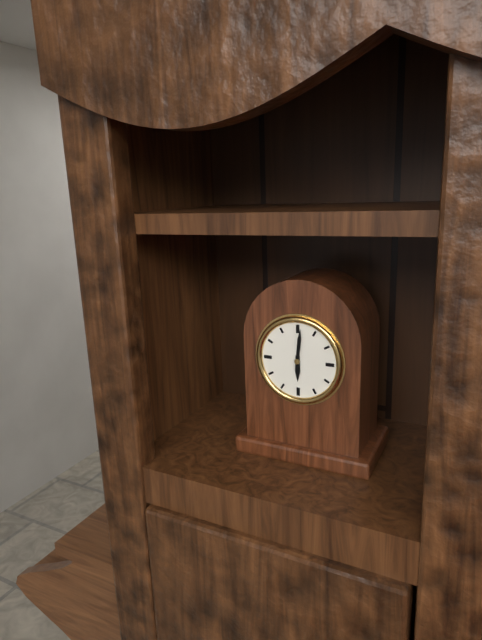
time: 6:01
